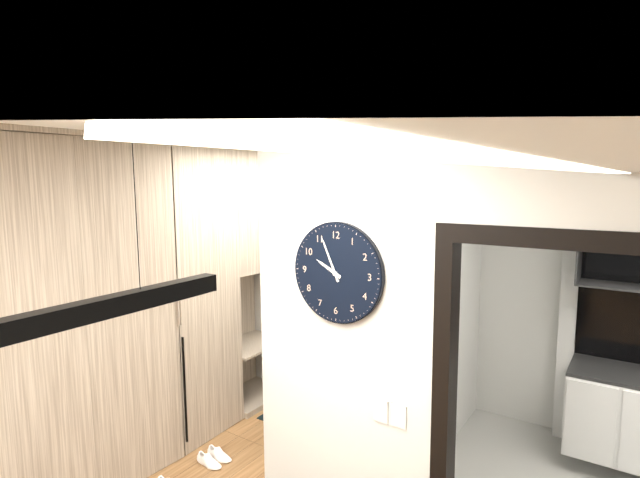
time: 9:56
